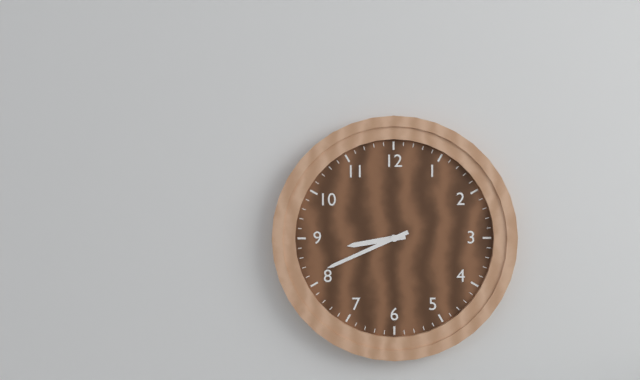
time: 8:41
